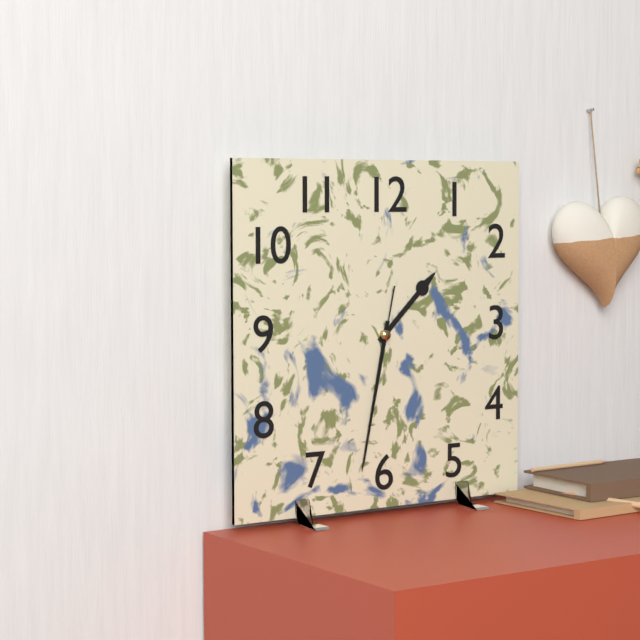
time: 1:32:32
